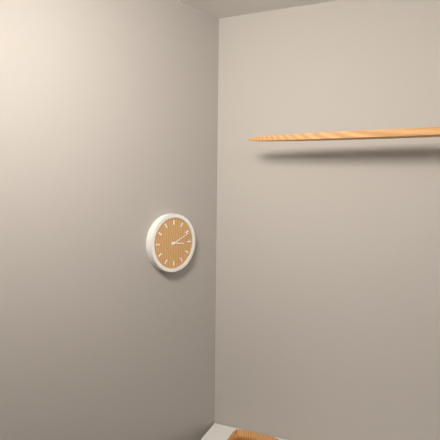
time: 3:11
